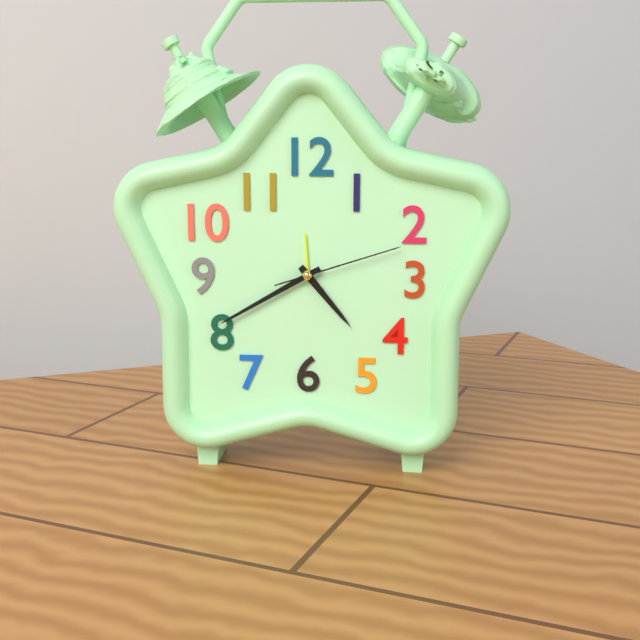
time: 4:40:12
